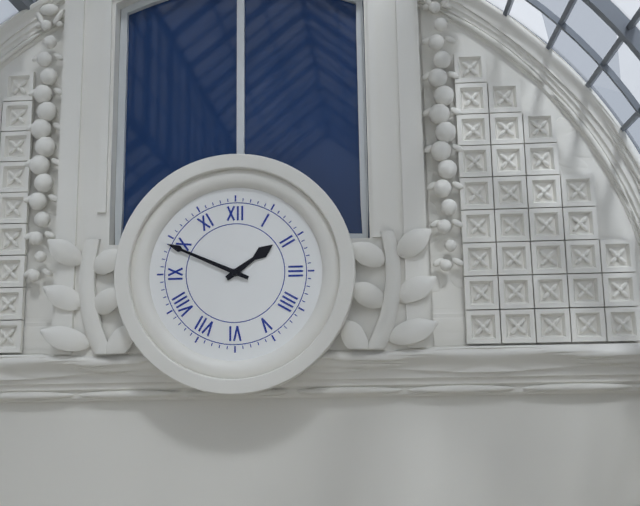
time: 1:49
